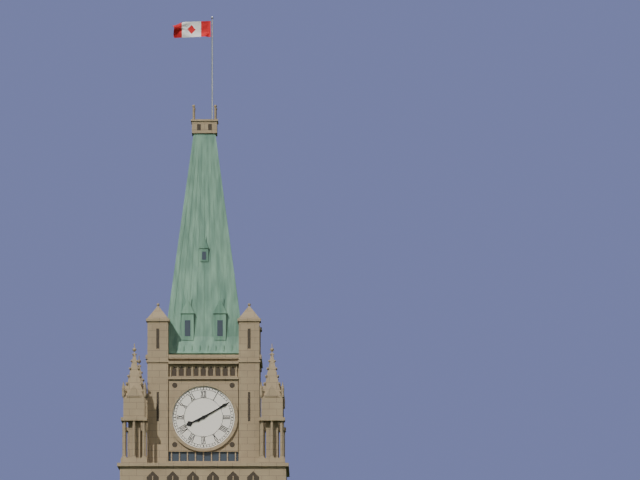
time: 8:10
